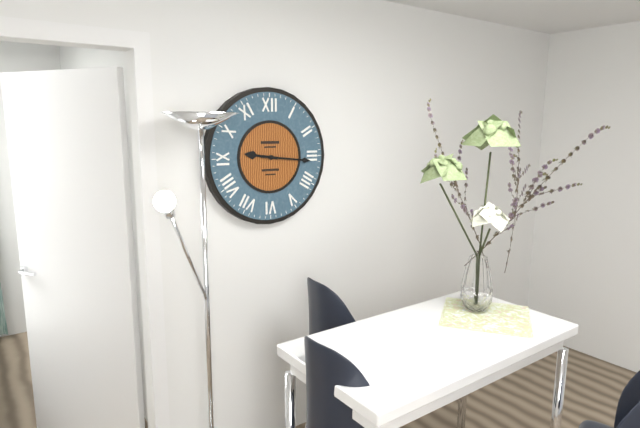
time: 9:16
